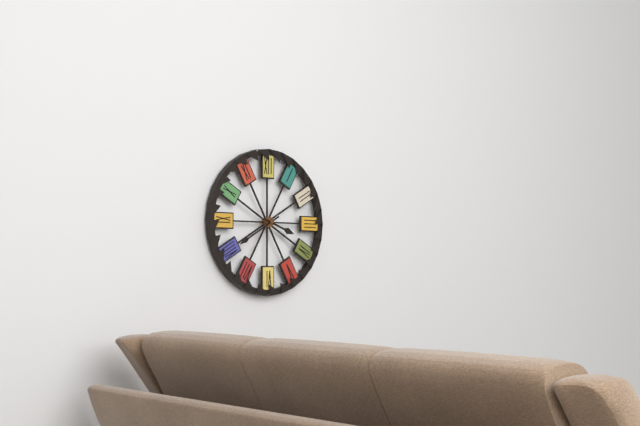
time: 3:40
